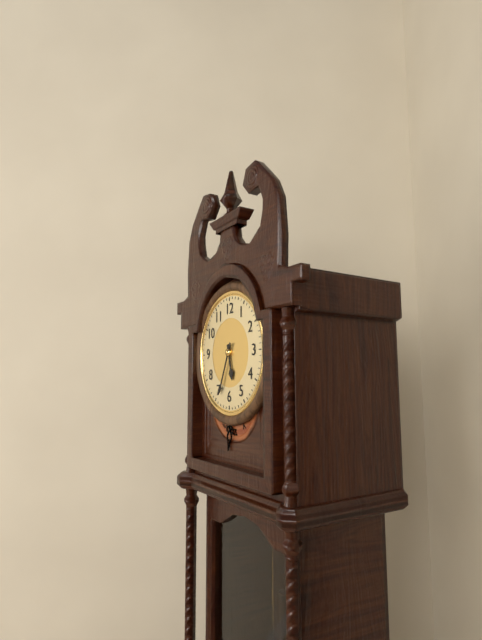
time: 5:34
